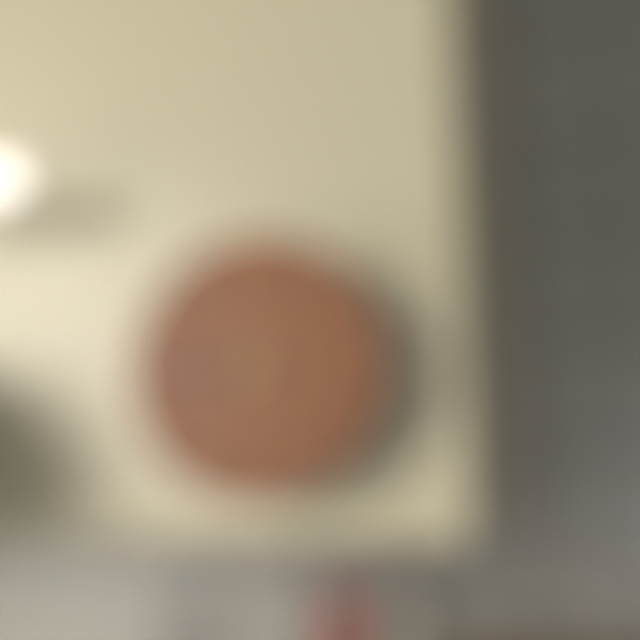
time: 8:44
